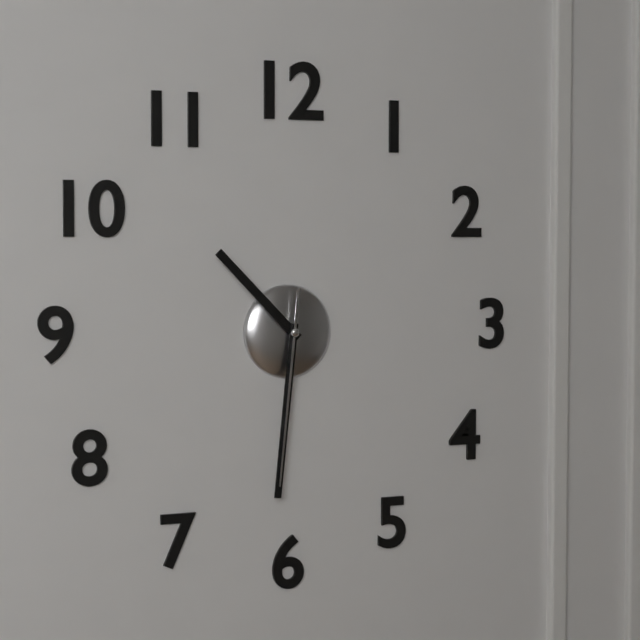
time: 10:31:31
